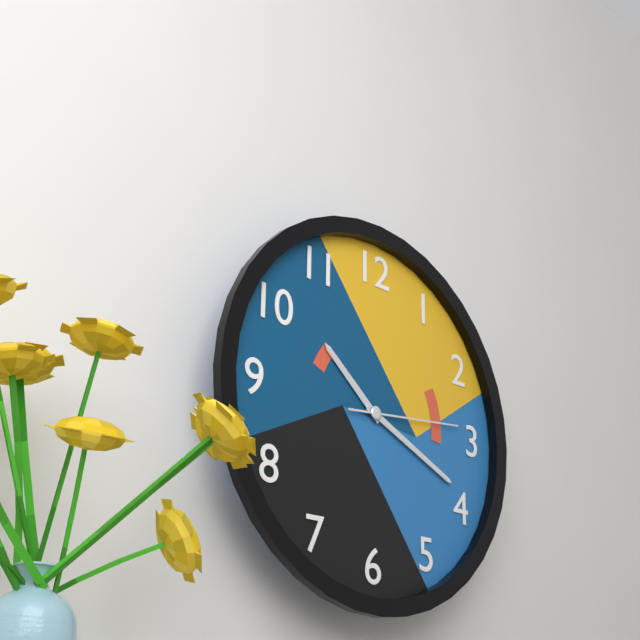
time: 10:19:14
